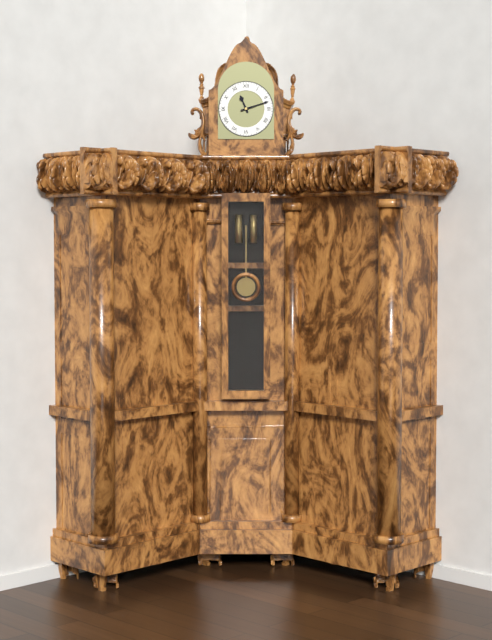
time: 11:12
